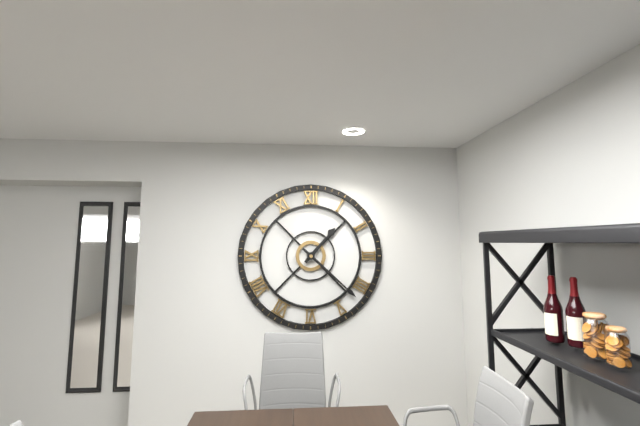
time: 1:22
